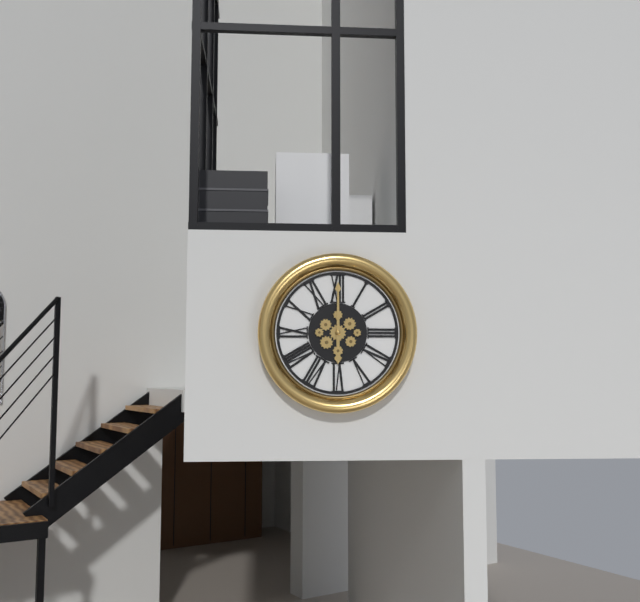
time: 6:00
